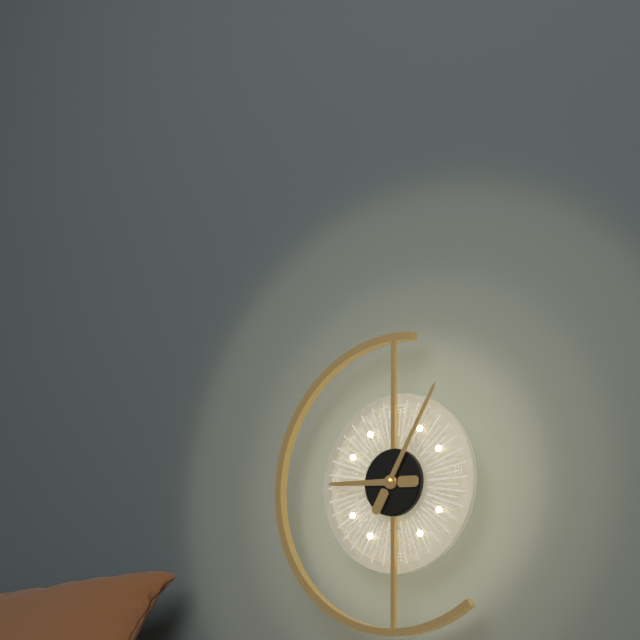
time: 9:05
